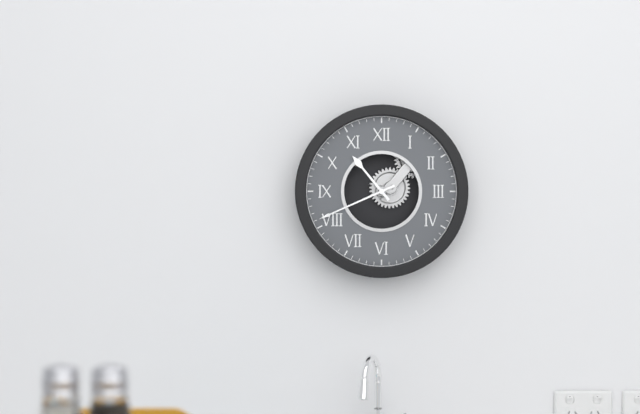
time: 10:41
